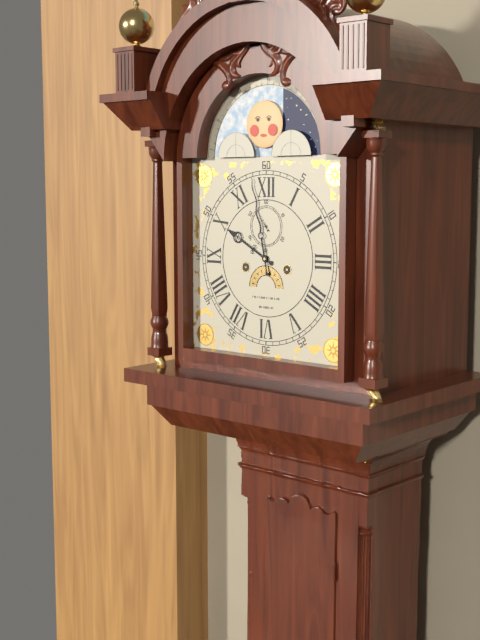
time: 9:58
